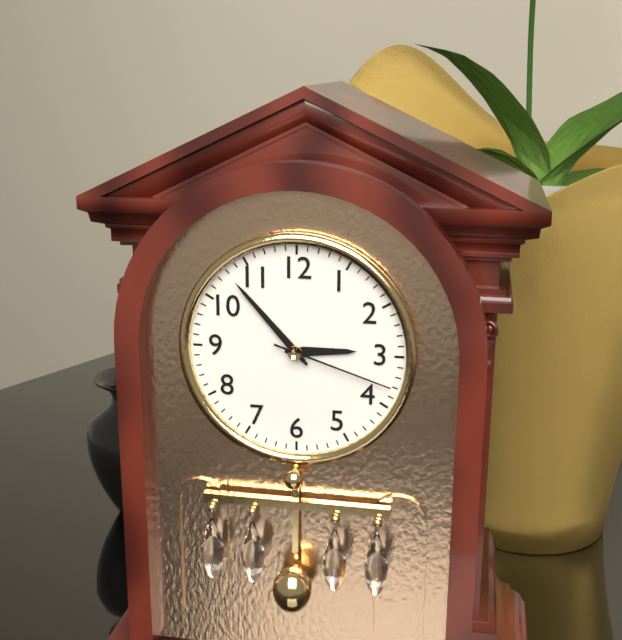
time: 2:53:18
